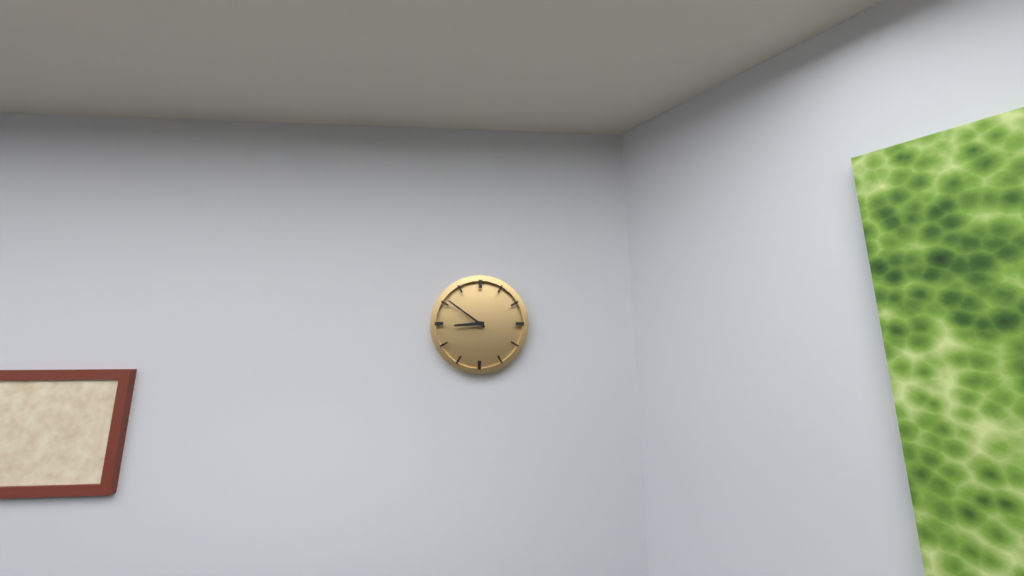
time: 8:51
